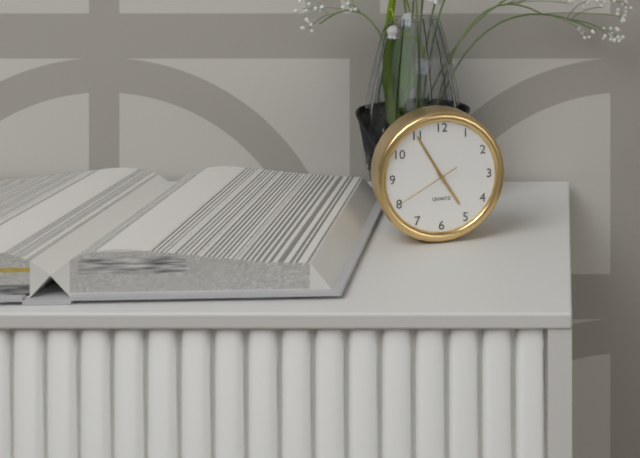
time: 4:55:40
